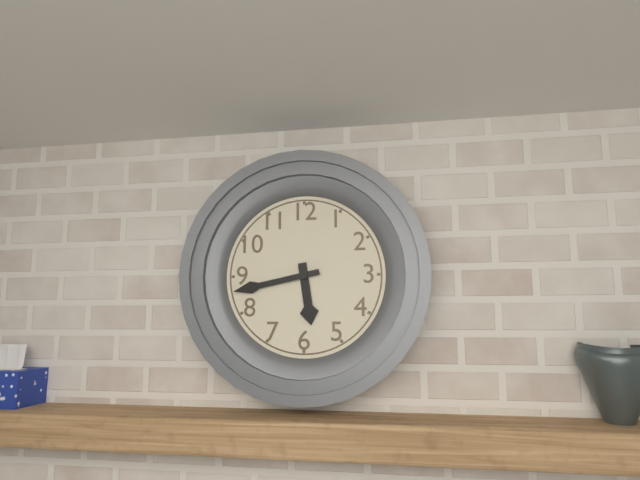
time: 5:43
